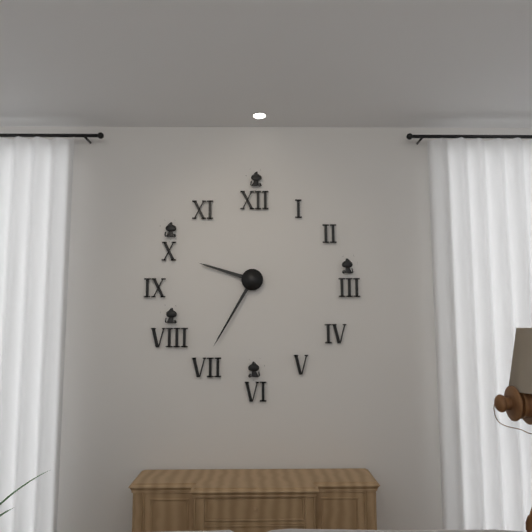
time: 9:35
